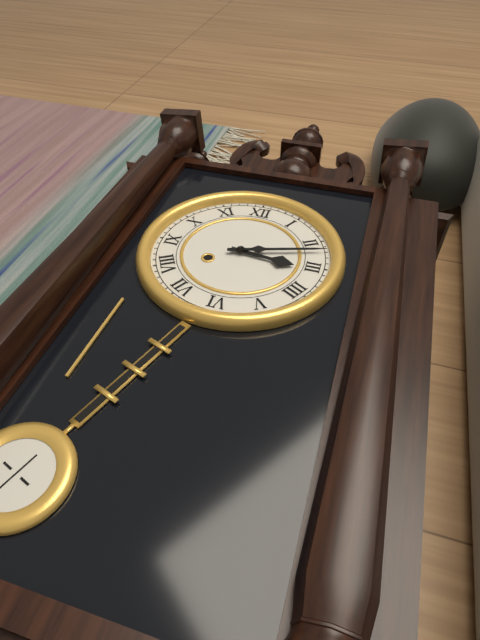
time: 3:12
